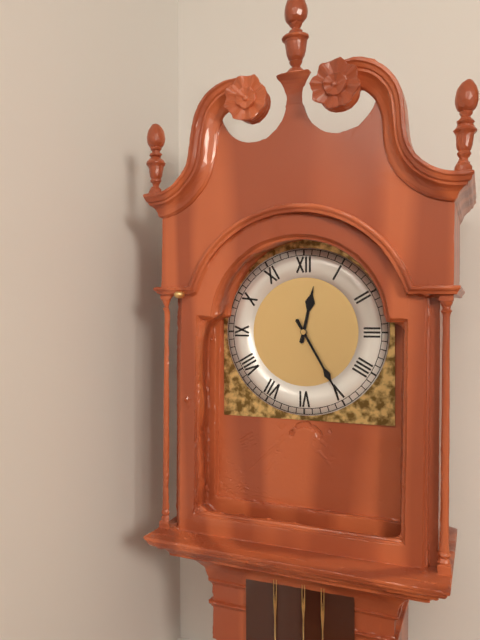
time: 12:25
